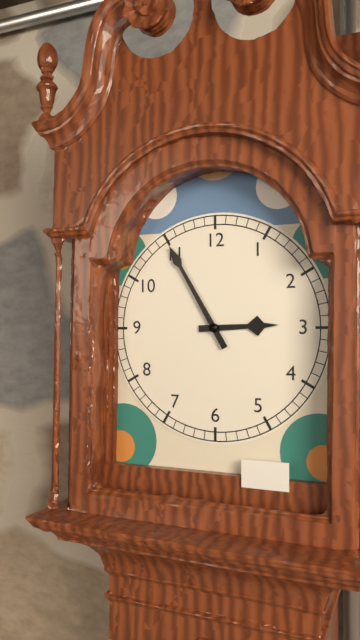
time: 2:55
